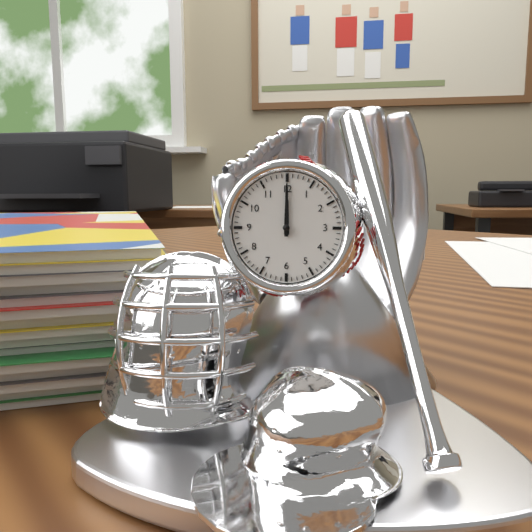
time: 12:00
